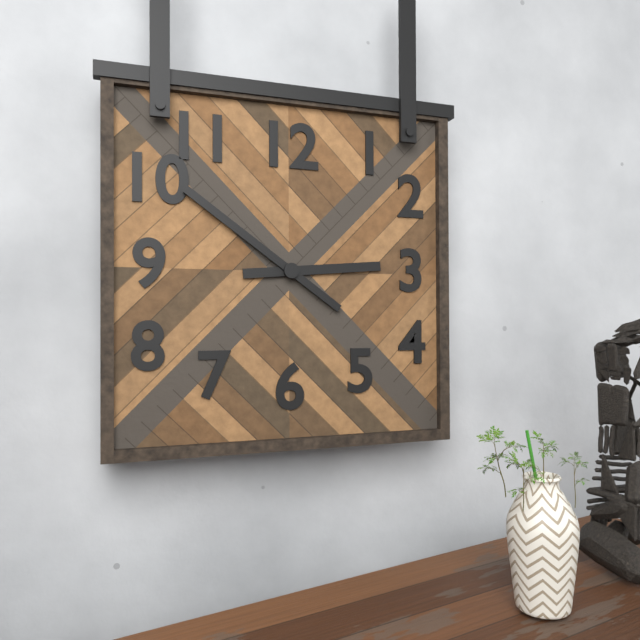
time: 2:51
